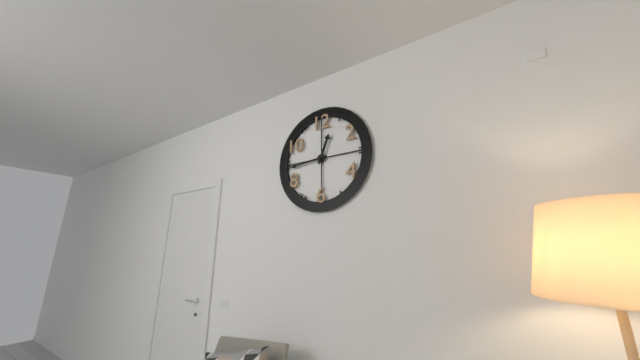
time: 12:44
